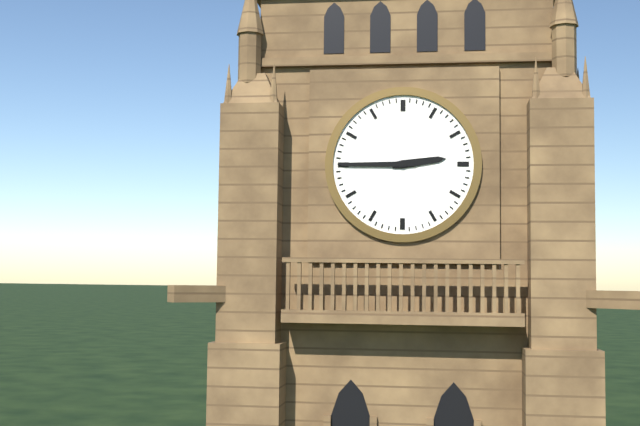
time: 2:45
